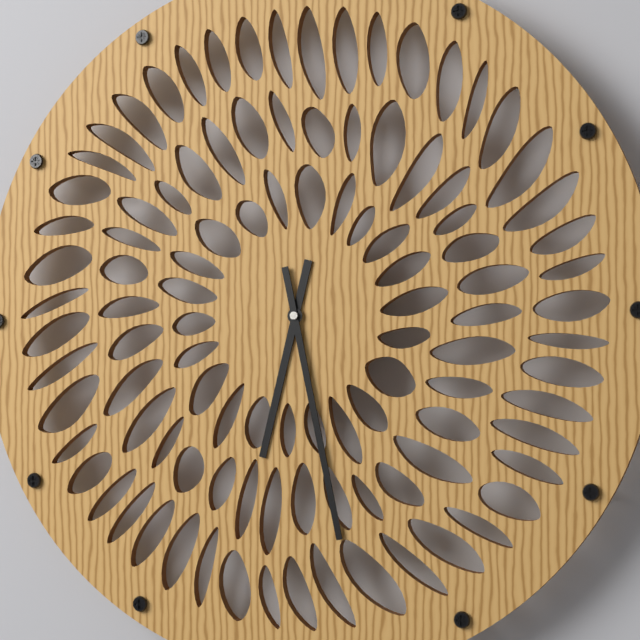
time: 6:28
